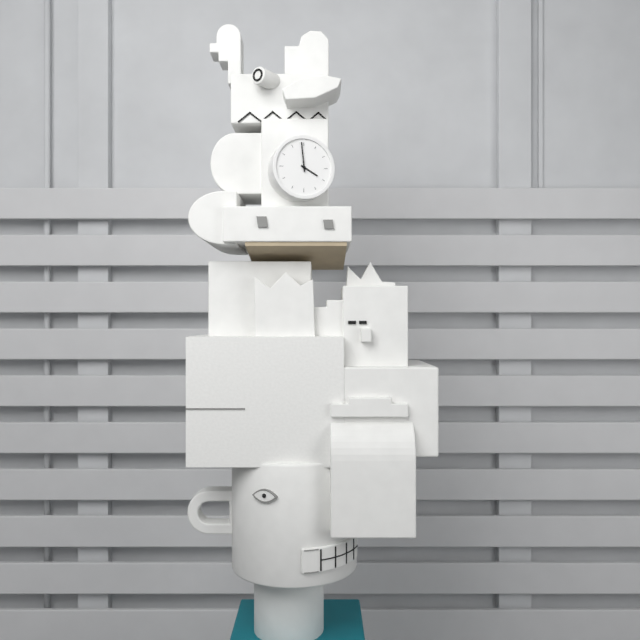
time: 3:59
